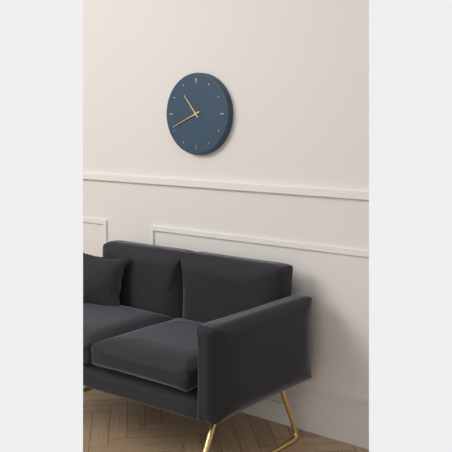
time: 10:41
